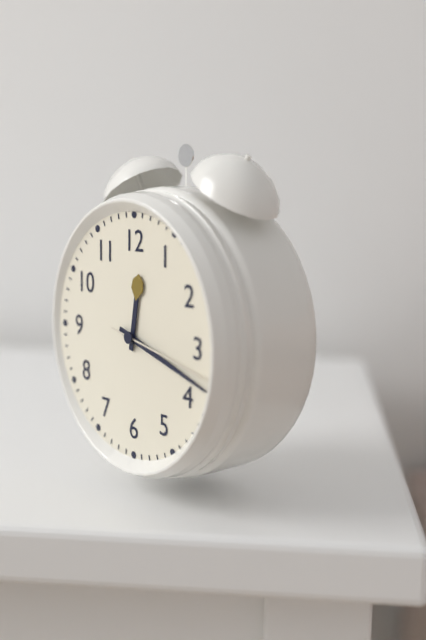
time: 12:18:17
